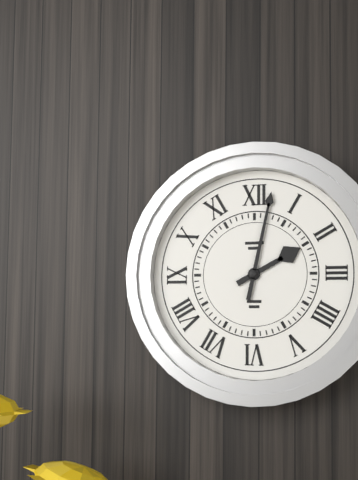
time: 2:02
